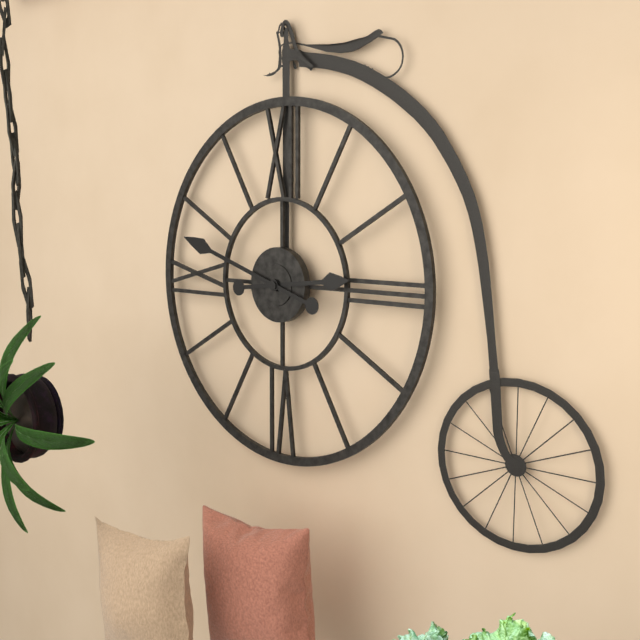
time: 2:48
